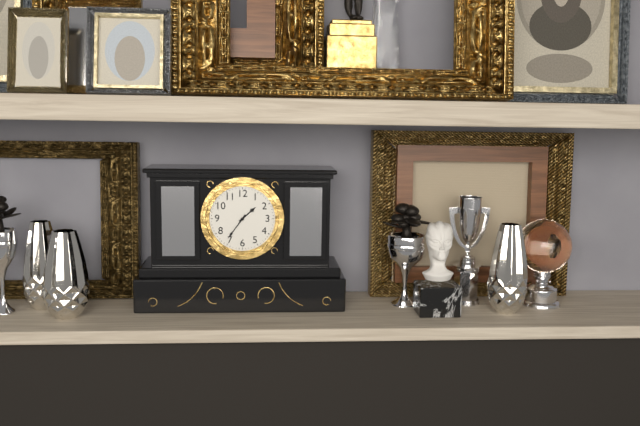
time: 1:36
